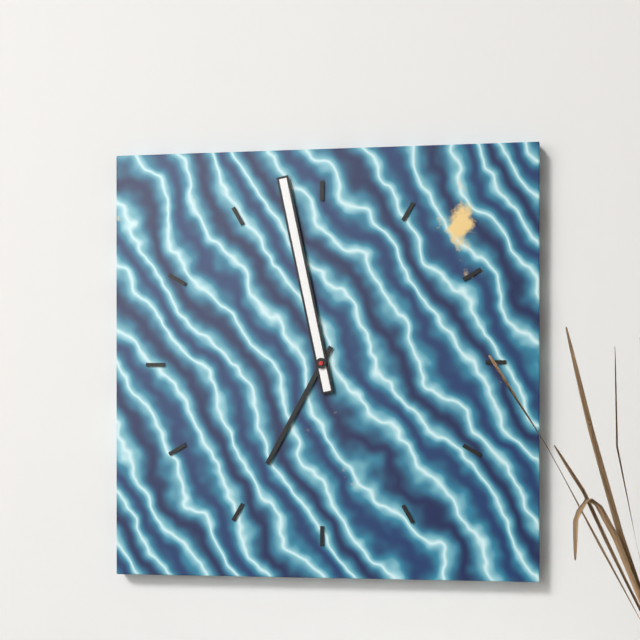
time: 6:58
